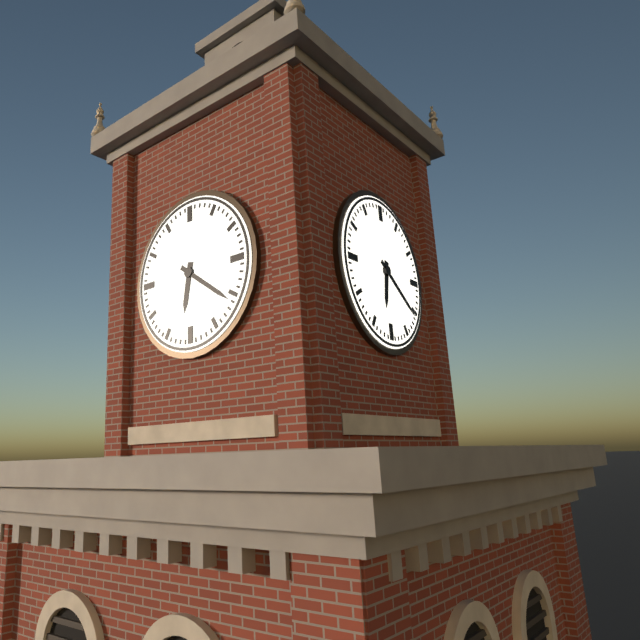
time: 6:21
